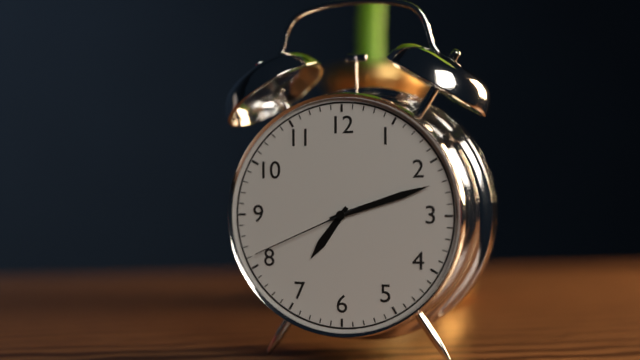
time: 7:12:41
